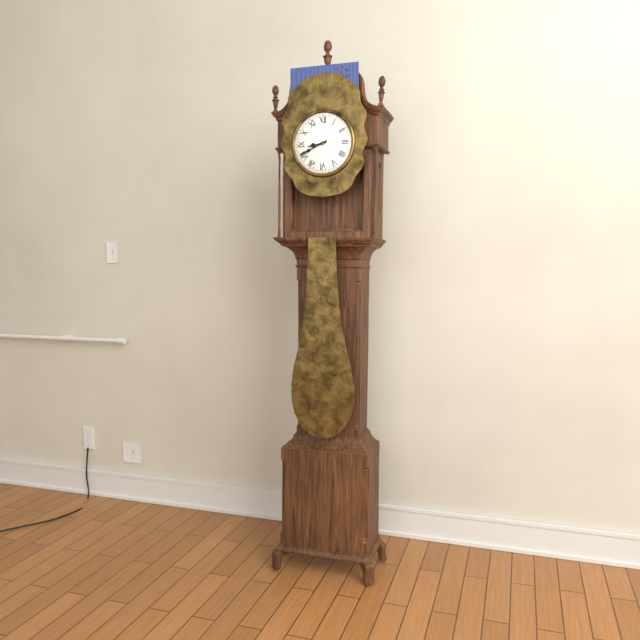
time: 8:41
